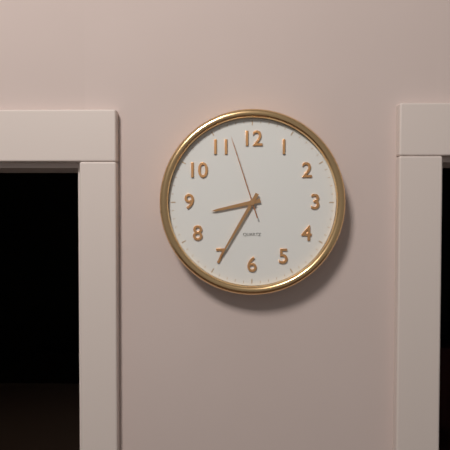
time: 8:35:57
